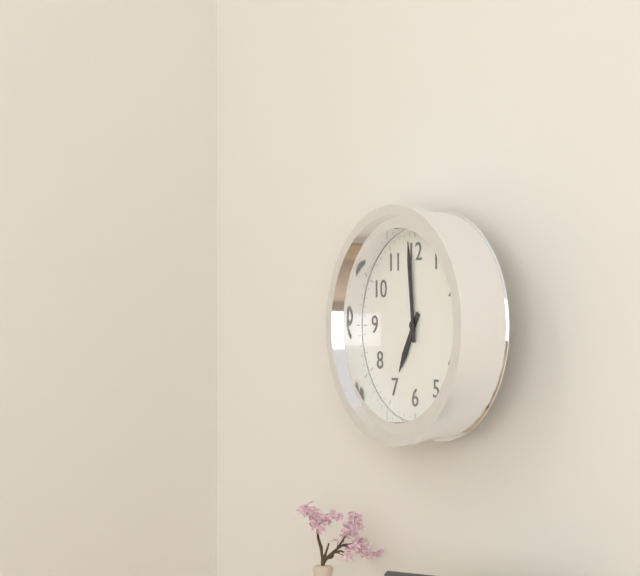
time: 6:59
